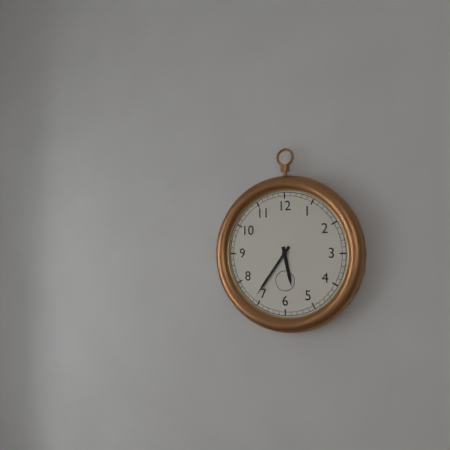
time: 5:36
